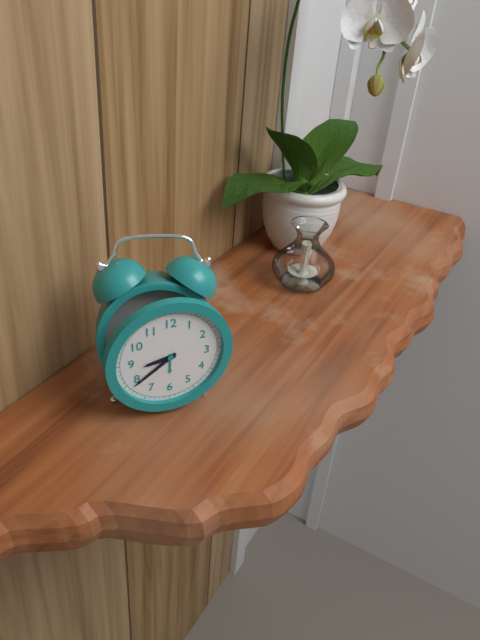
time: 8:39
